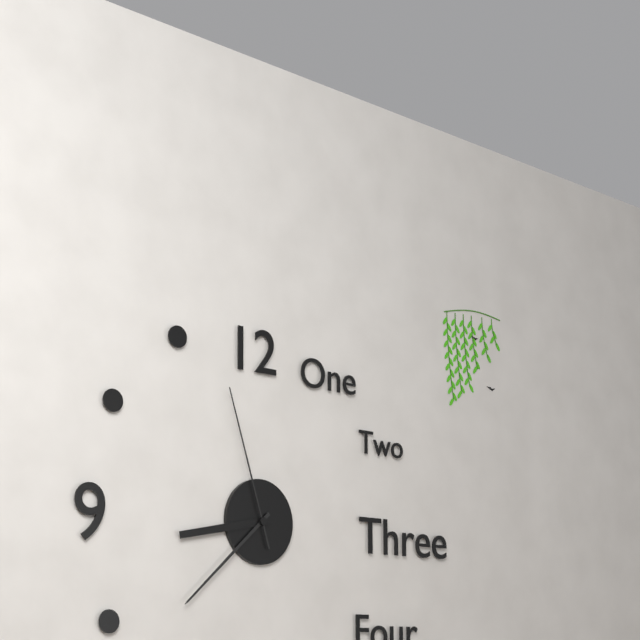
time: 8:38:57
